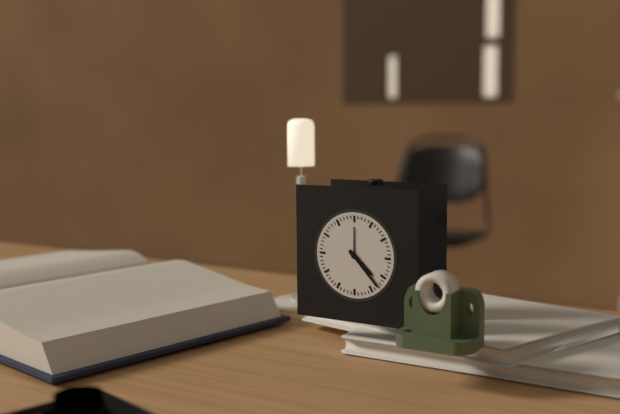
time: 4:23
